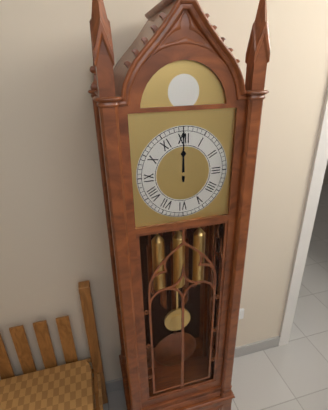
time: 12:00
